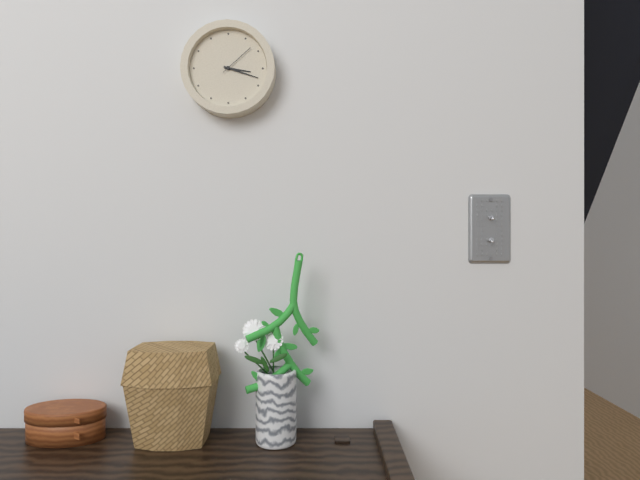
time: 3:18
